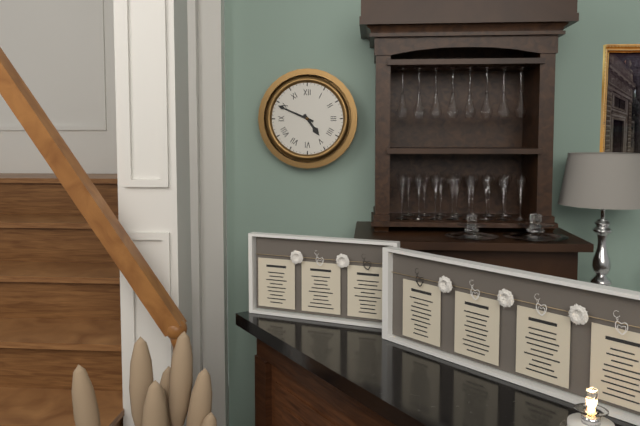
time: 4:49
